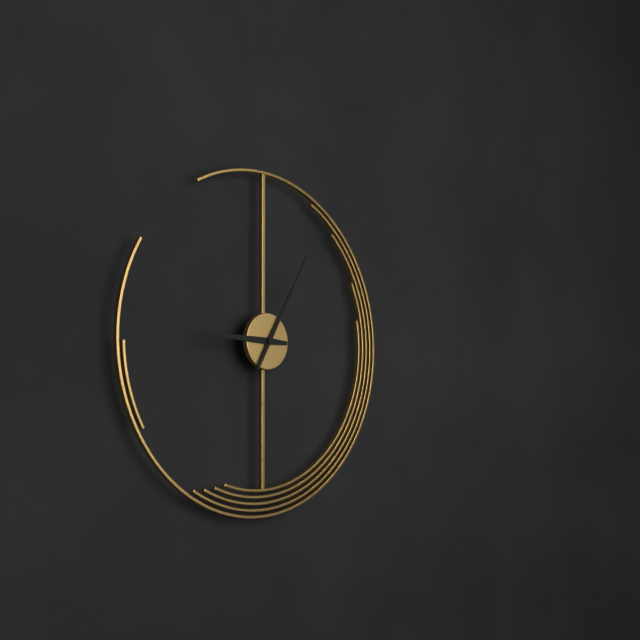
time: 9:05
